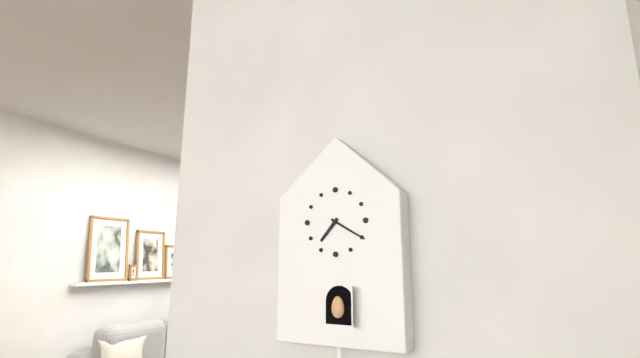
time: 7:20
